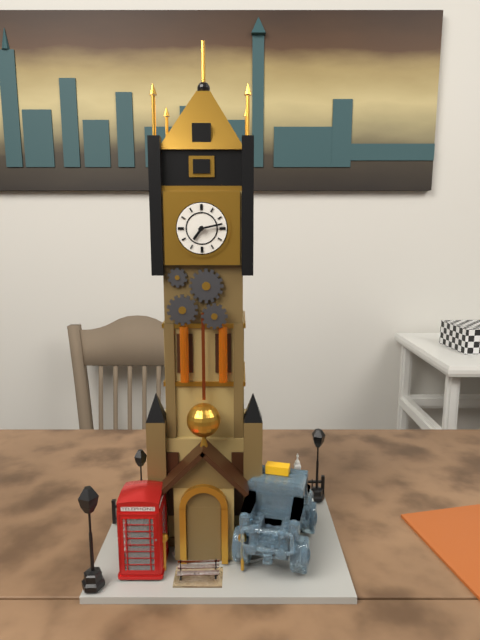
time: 7:13
